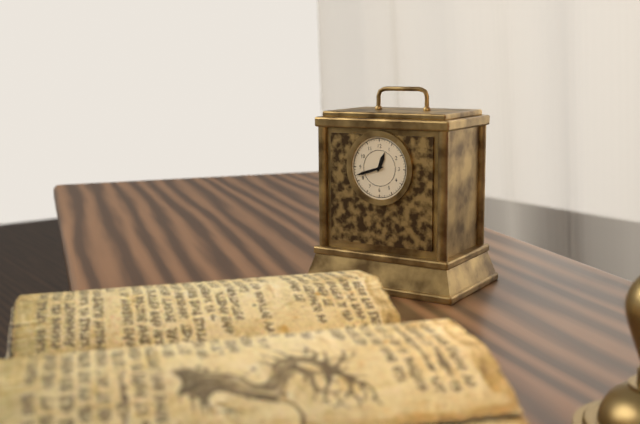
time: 12:42
